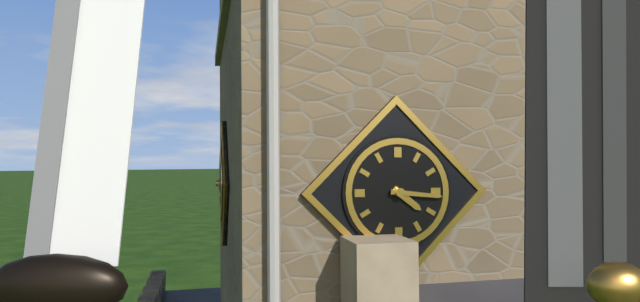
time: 4:16
